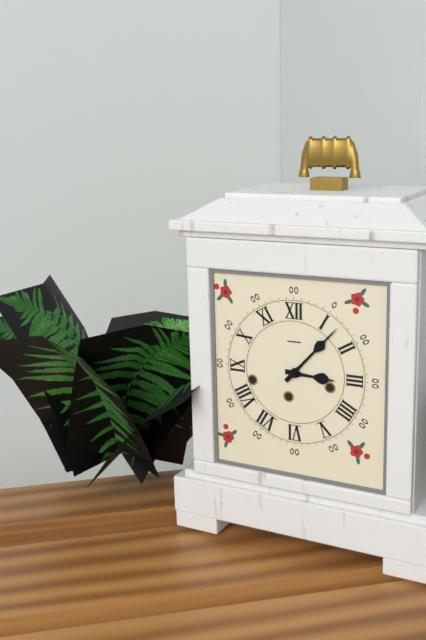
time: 3:07
